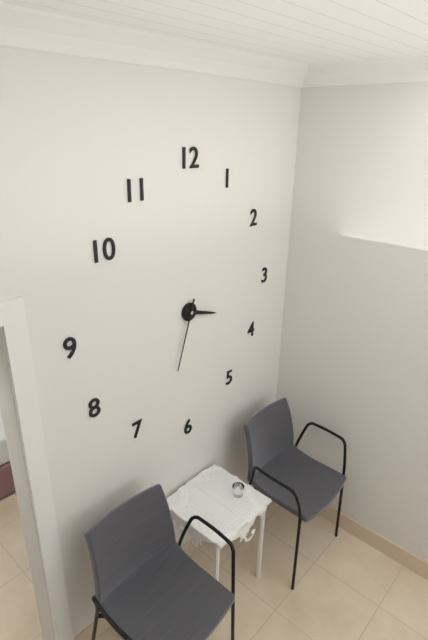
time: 3:33
